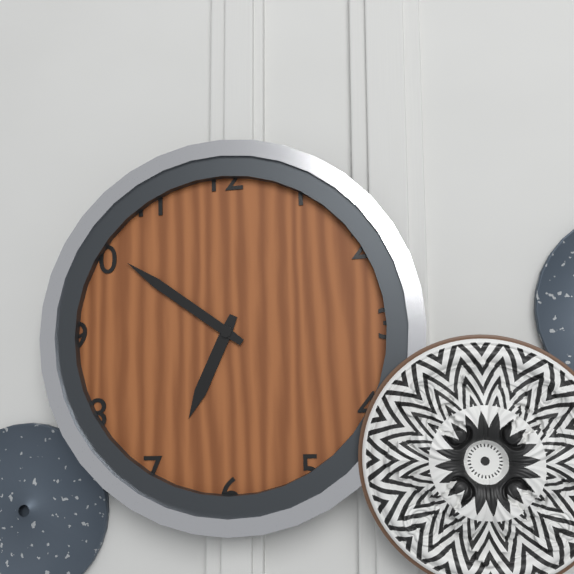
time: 6:51
